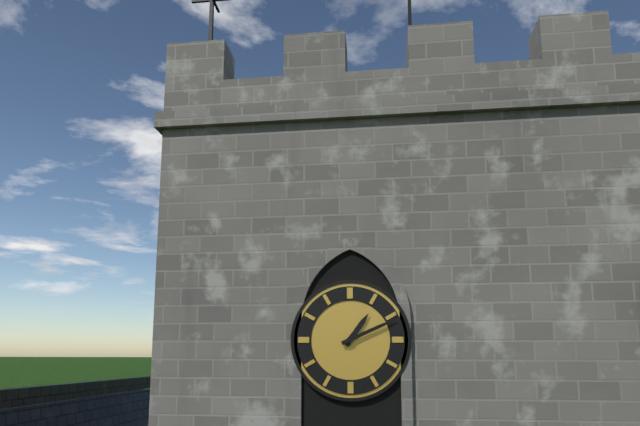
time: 1:11
